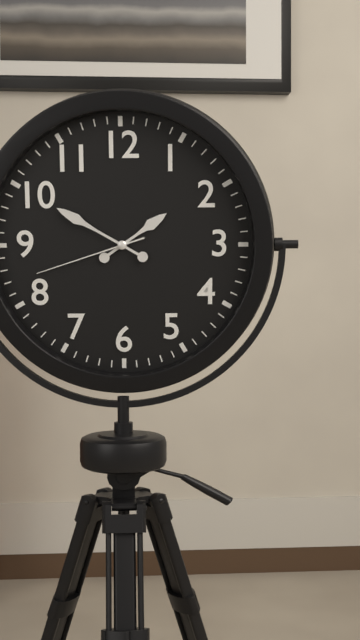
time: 1:50:42
